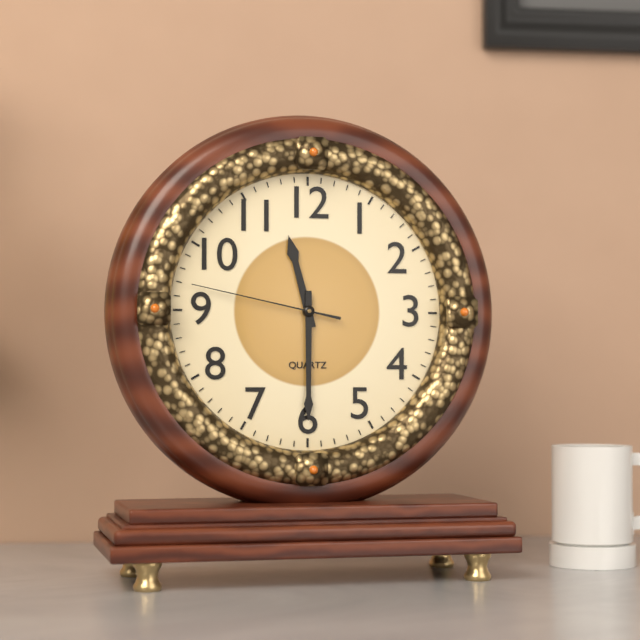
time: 11:30:47
